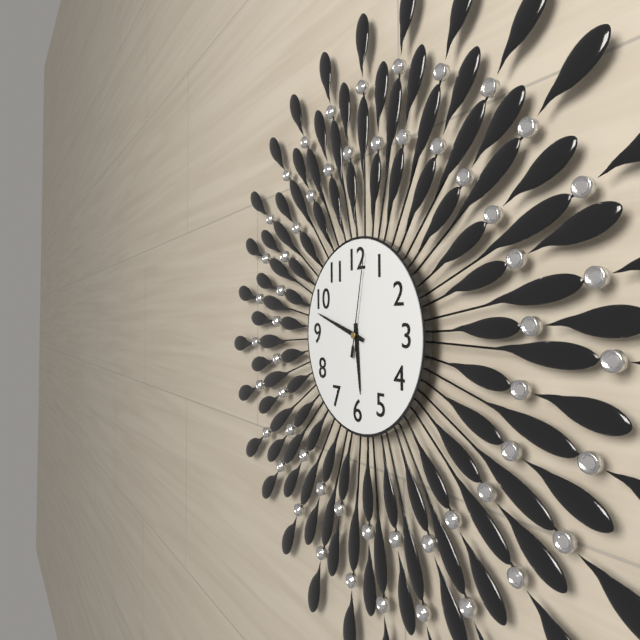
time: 5:48:02
